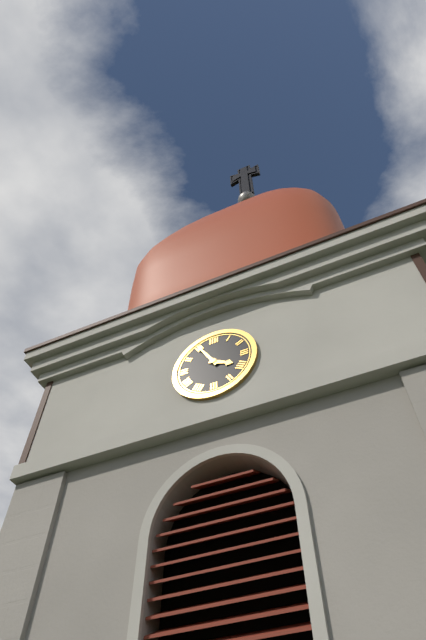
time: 3:55
